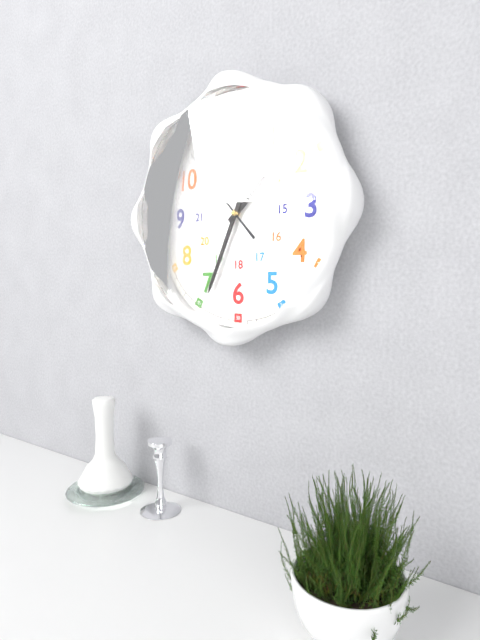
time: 1:34:53
